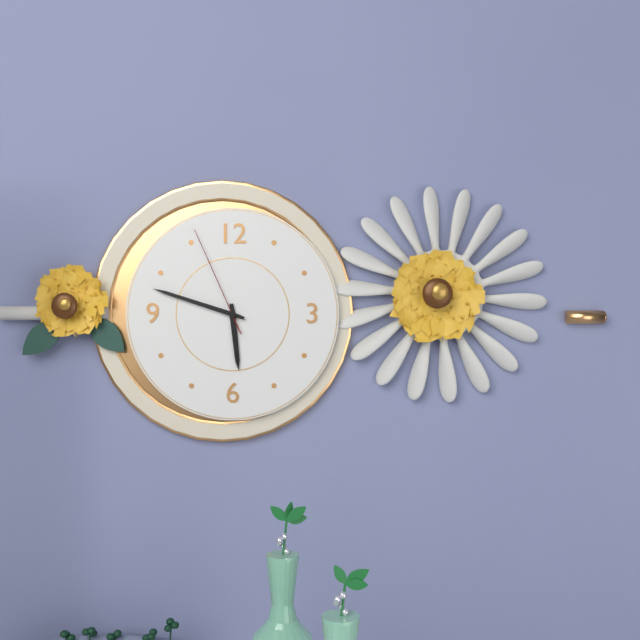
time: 5:48:56
